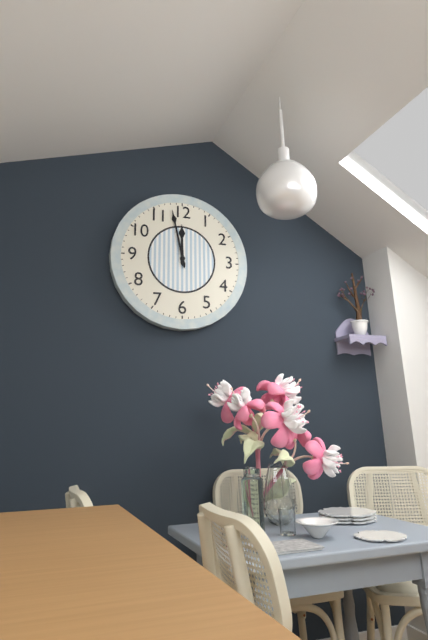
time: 11:58
